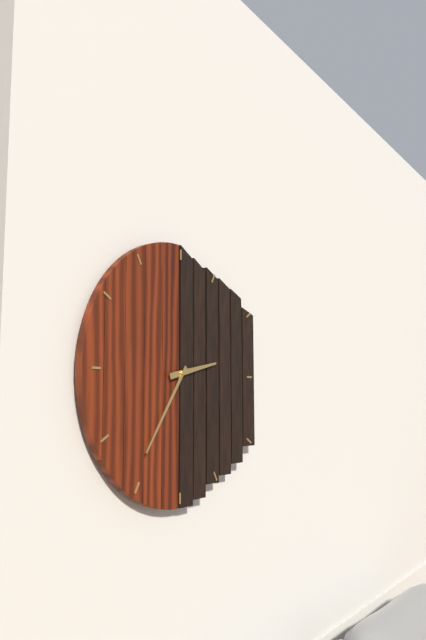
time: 2:36
